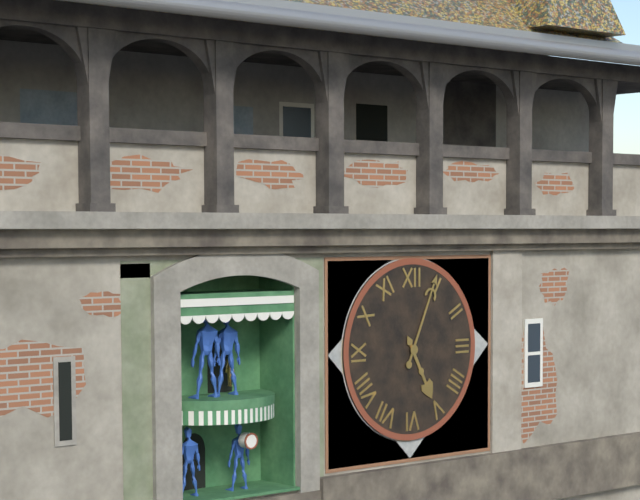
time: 5:04
